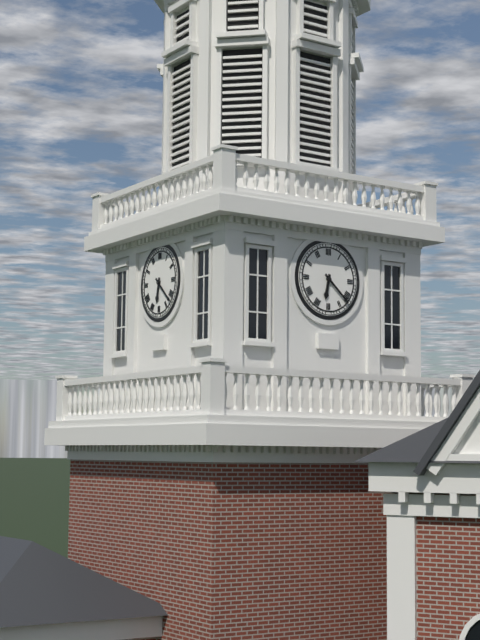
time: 6:22
